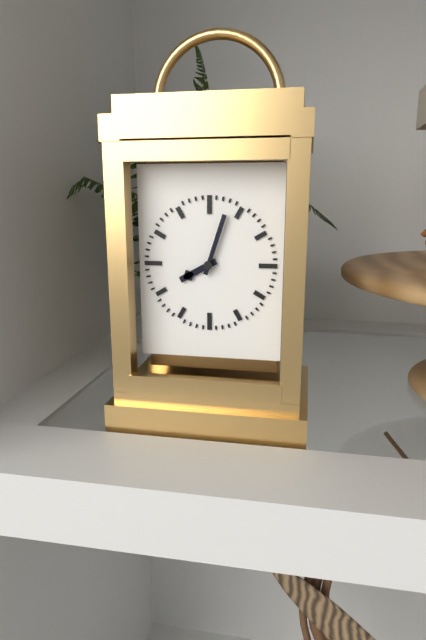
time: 8:03
